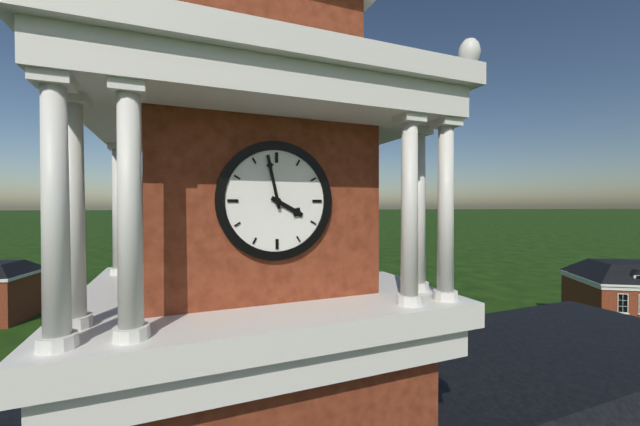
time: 3:58
